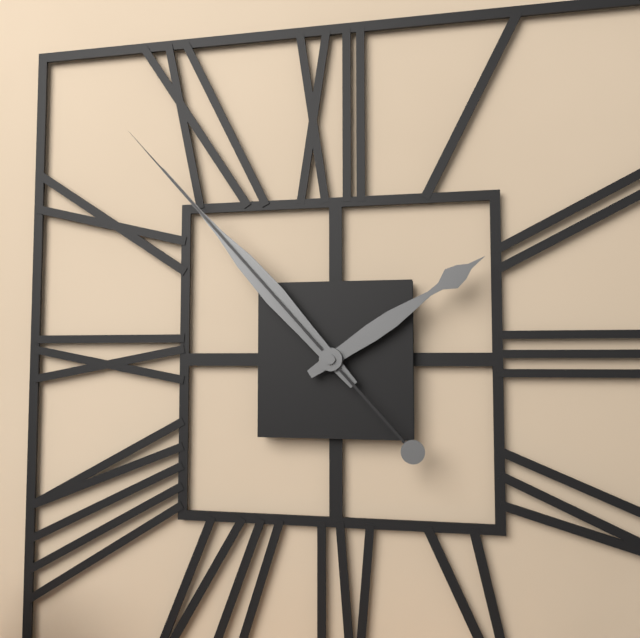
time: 1:53:53
